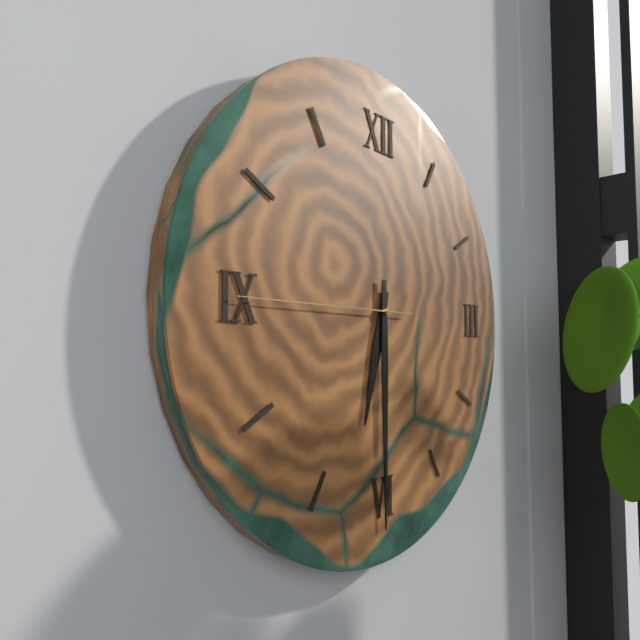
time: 6:30:45
